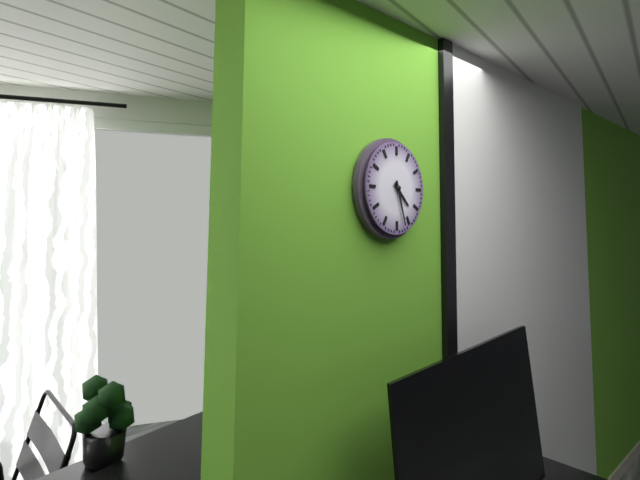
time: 4:27
